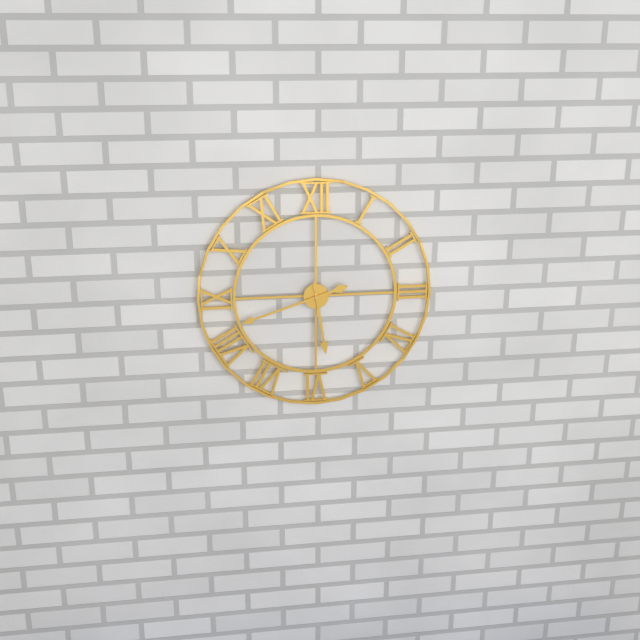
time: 5:42
